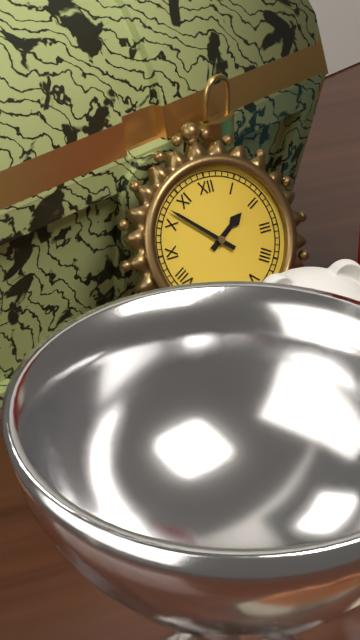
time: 1:52
